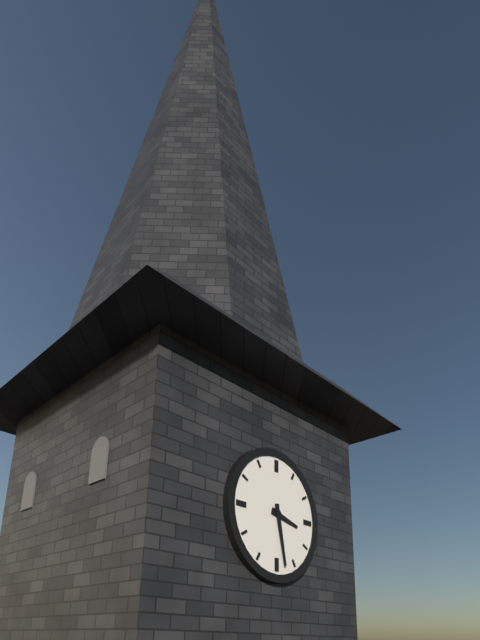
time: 3:28
